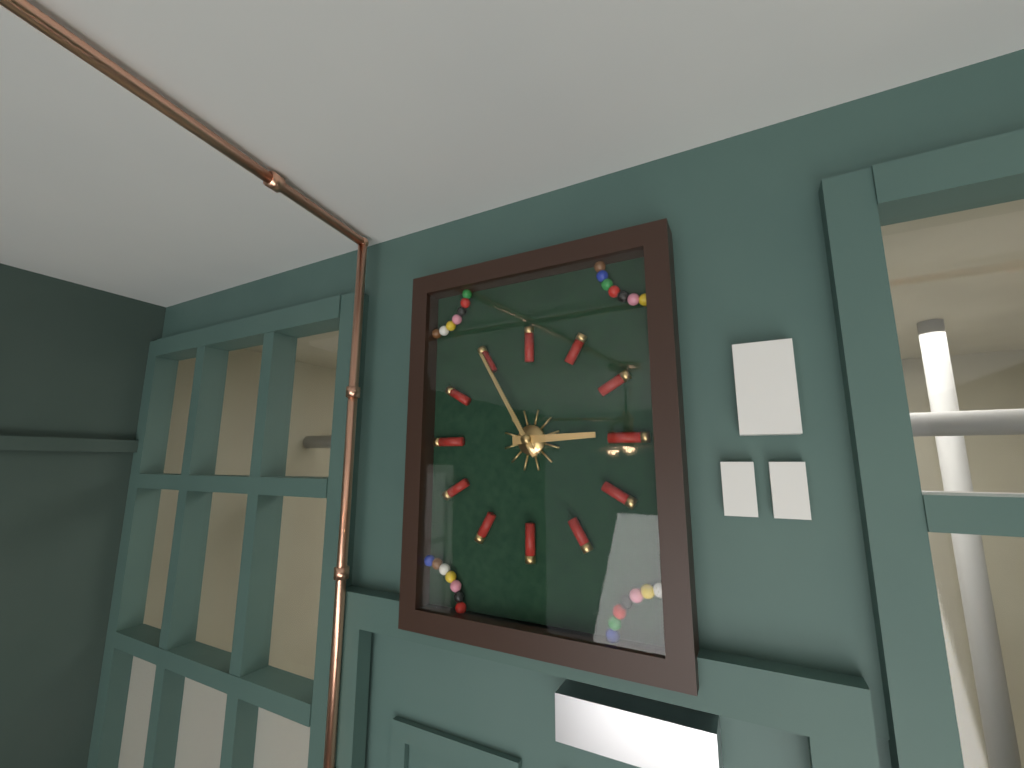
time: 2:55
